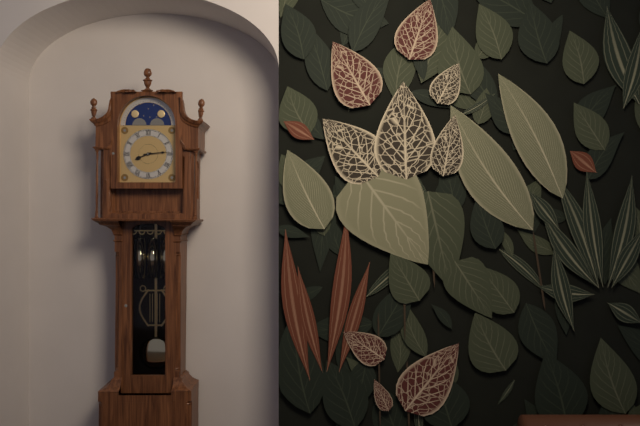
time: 8:14
